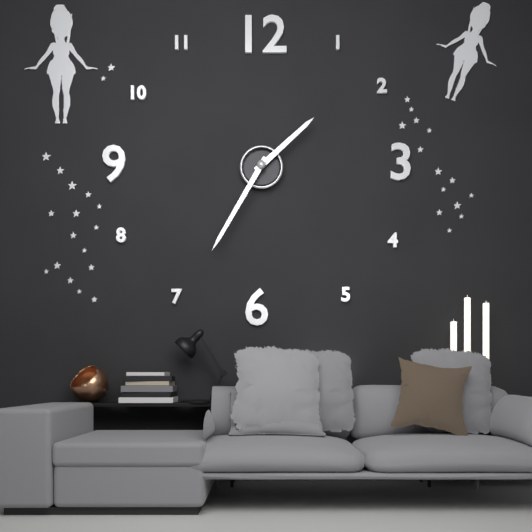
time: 1:35
